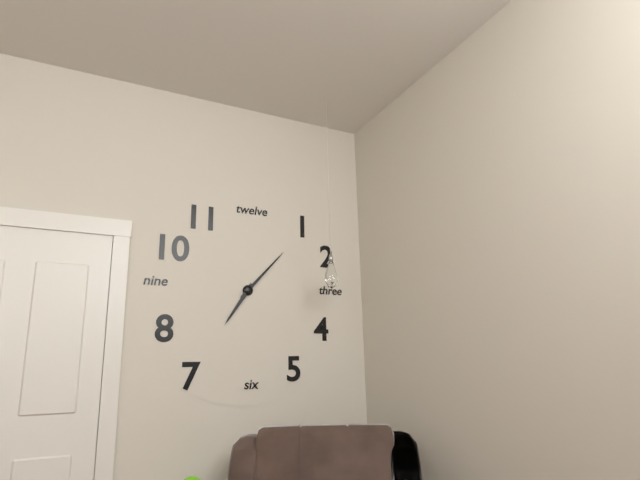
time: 7:07
